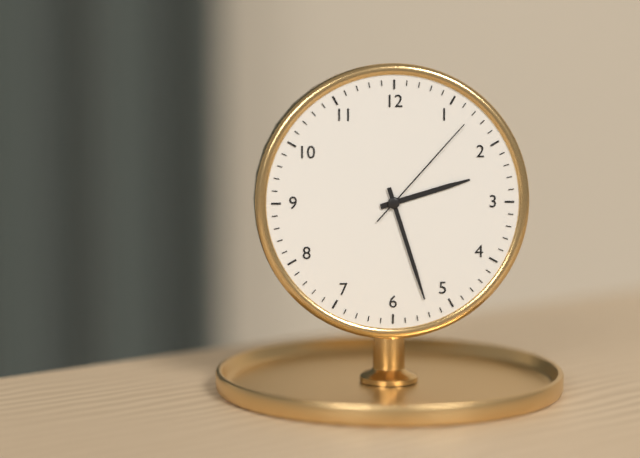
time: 2:27:07
